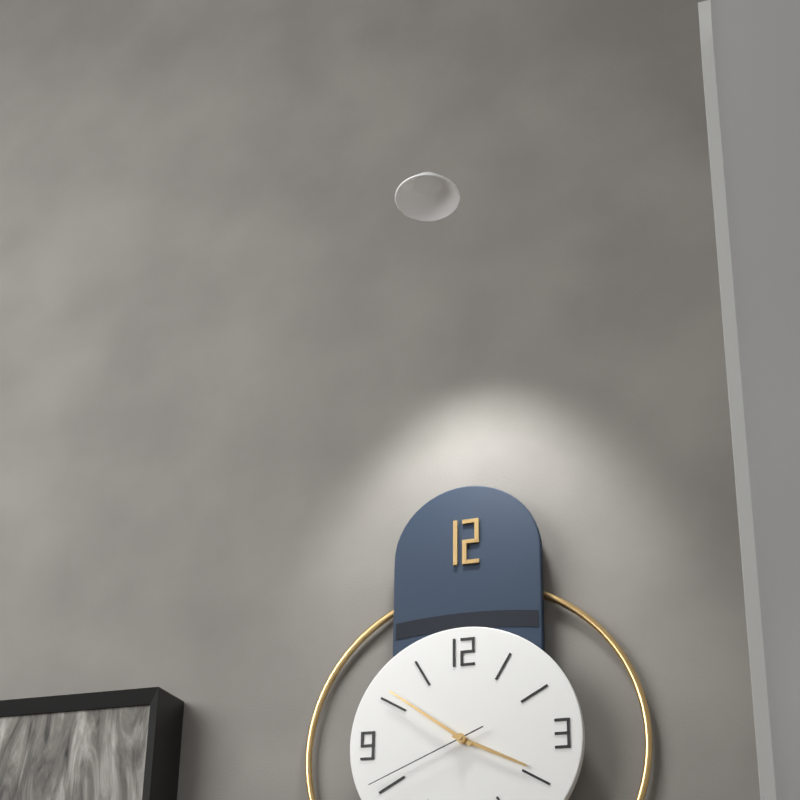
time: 3:51:41
